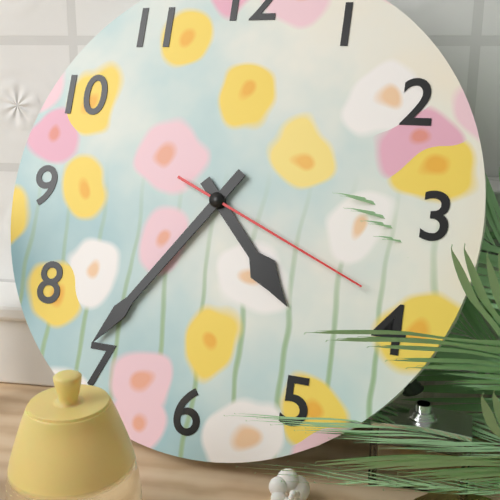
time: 4:36:19
